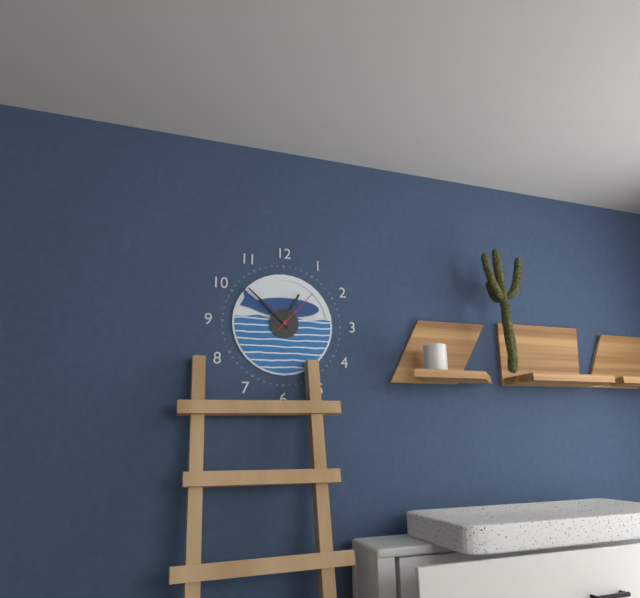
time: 12:52:07
